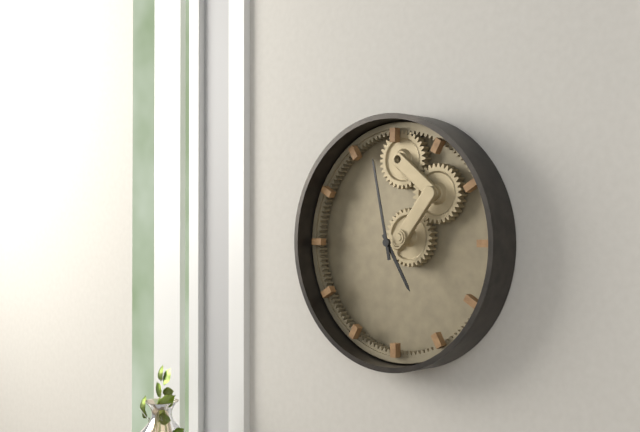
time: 4:58
